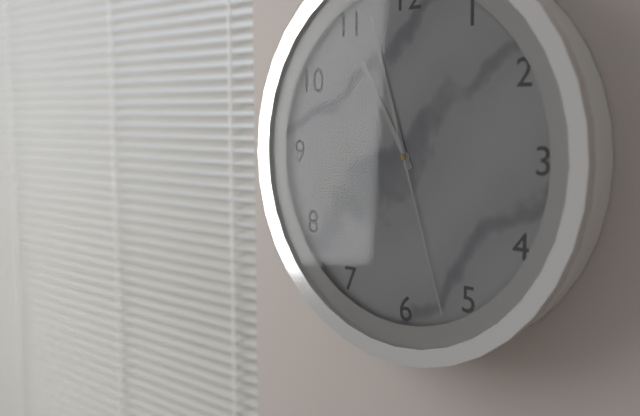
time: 10:57:27
